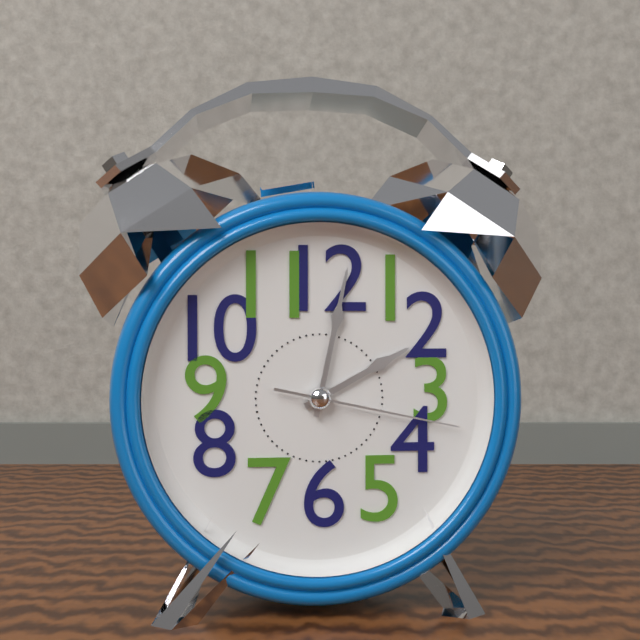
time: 2:02:17
